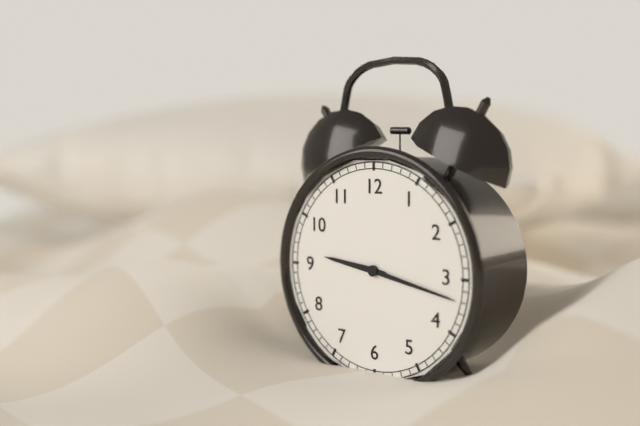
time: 9:17
